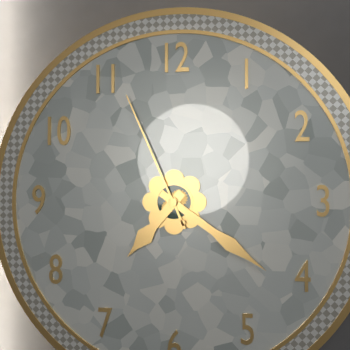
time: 7:21:56
